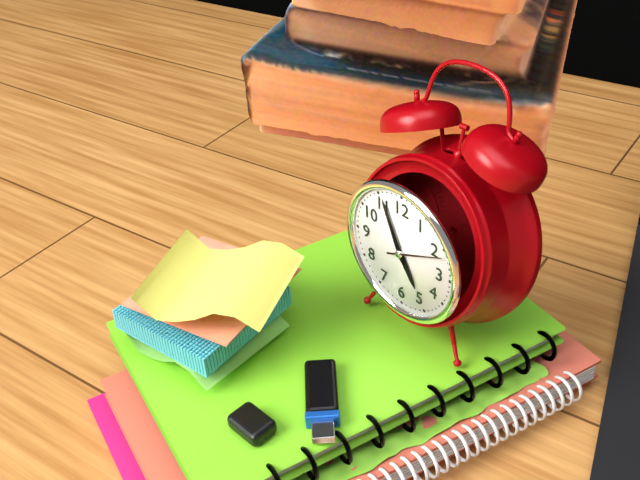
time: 4:56:11
